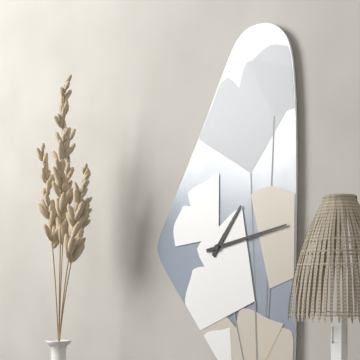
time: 1:13
